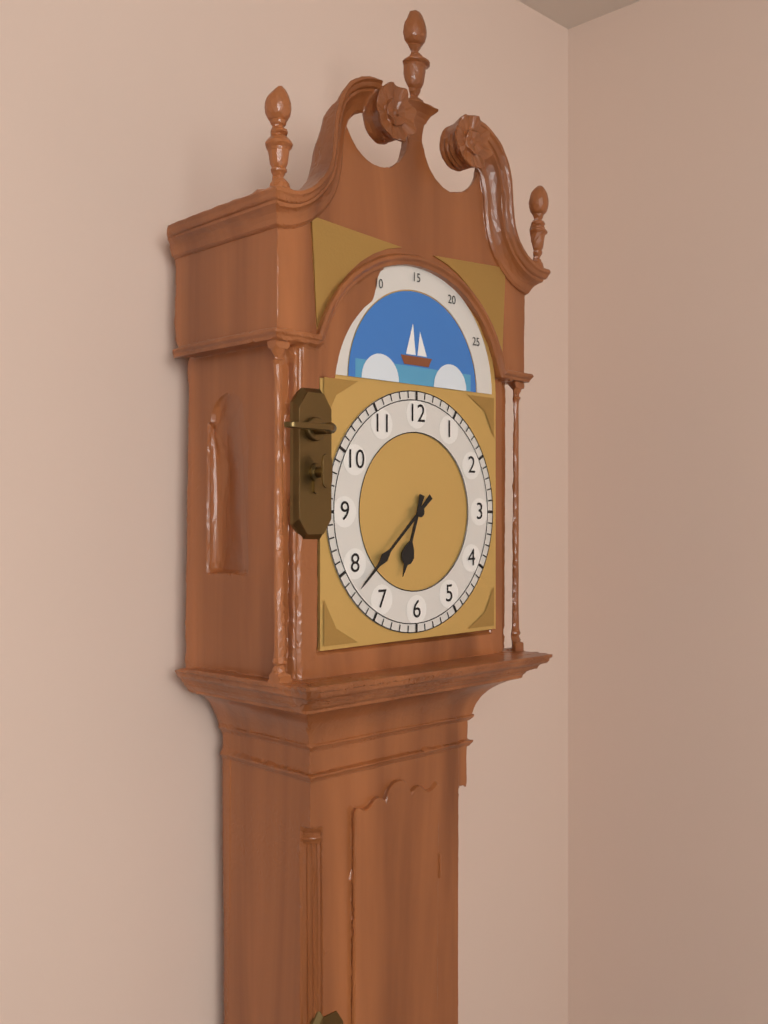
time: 6:38
